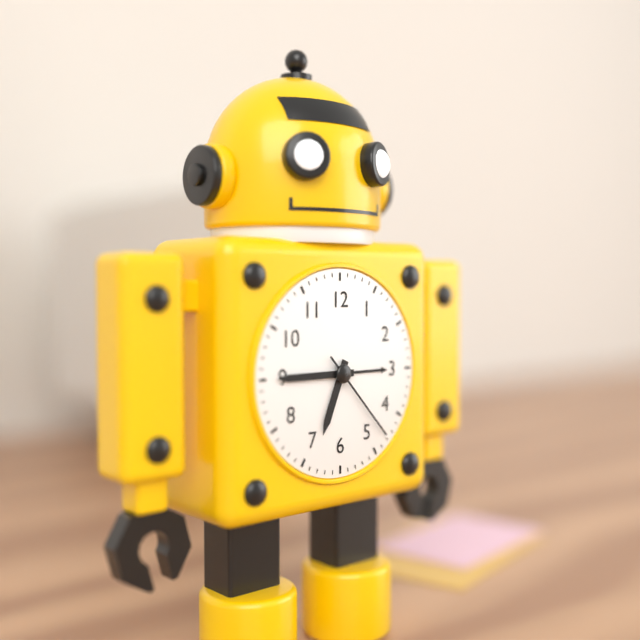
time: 6:45:23
